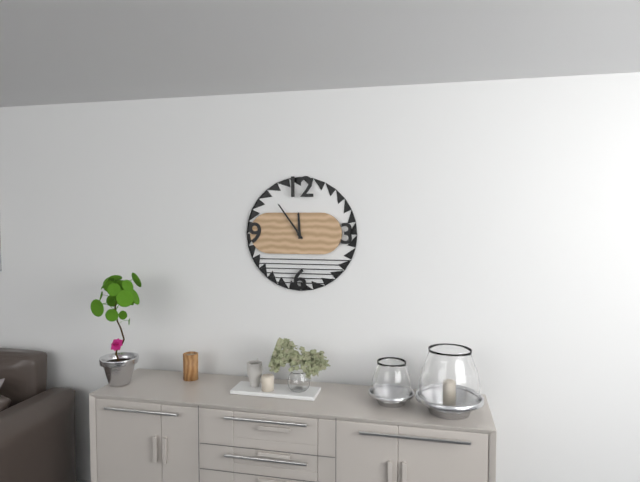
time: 11:54
